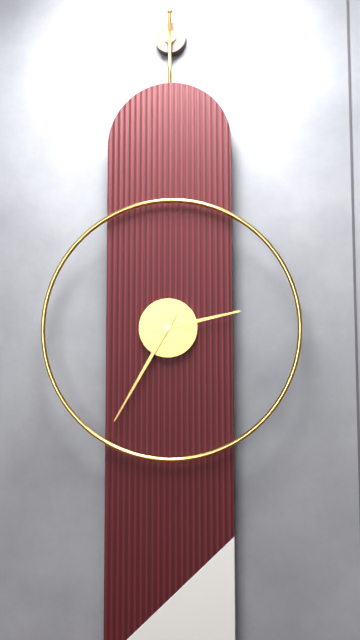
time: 2:35
